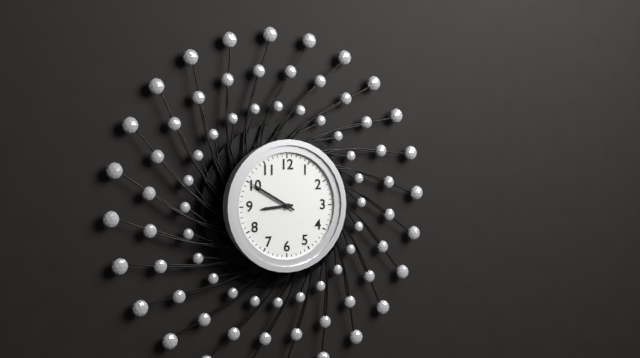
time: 8:50
